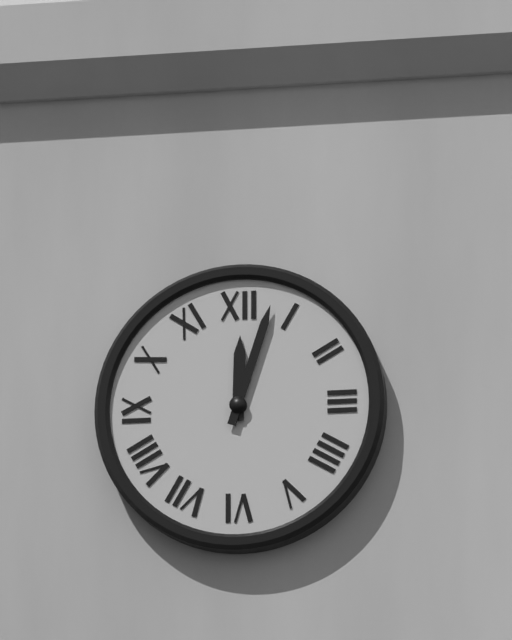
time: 12:03
